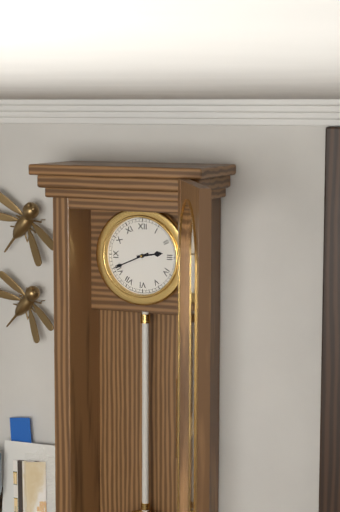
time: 2:41
